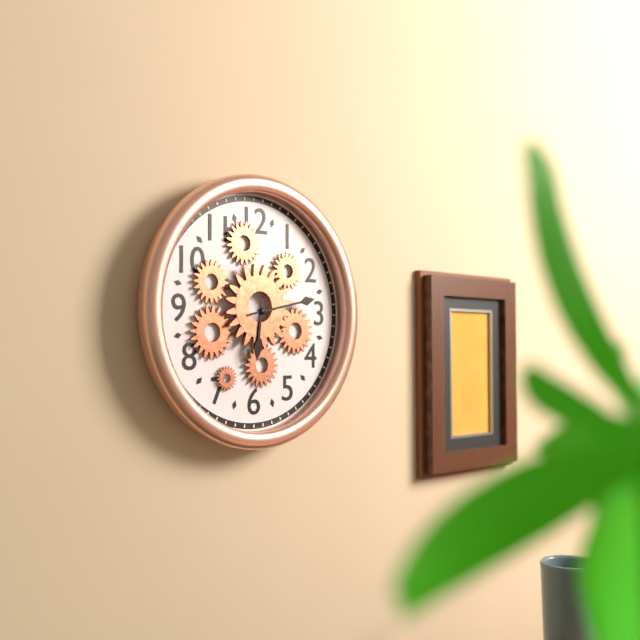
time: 6:13
